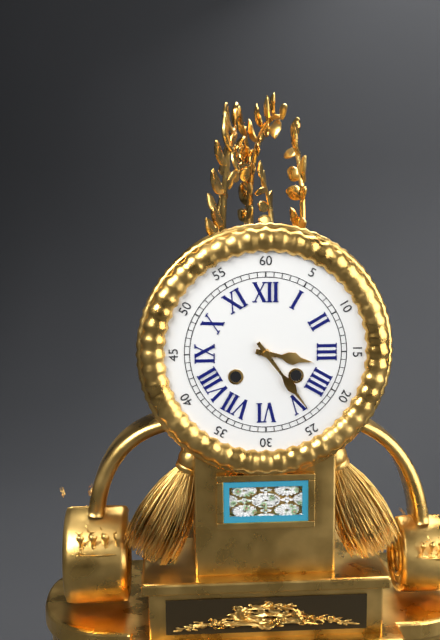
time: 3:24
